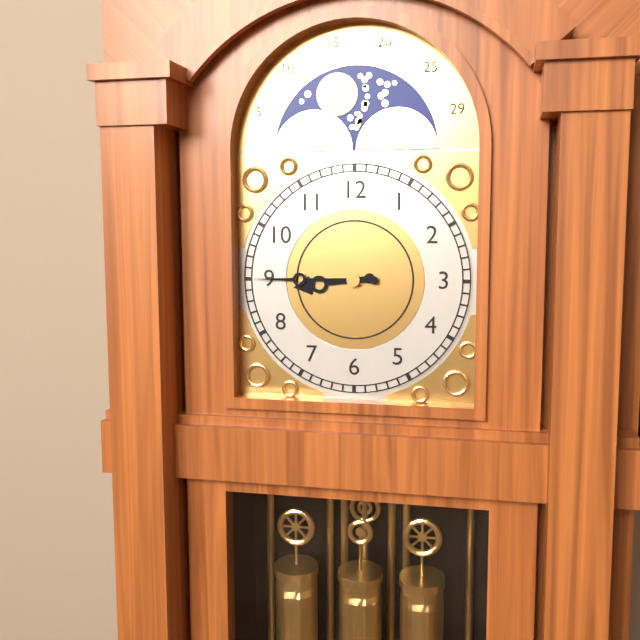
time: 8:45
